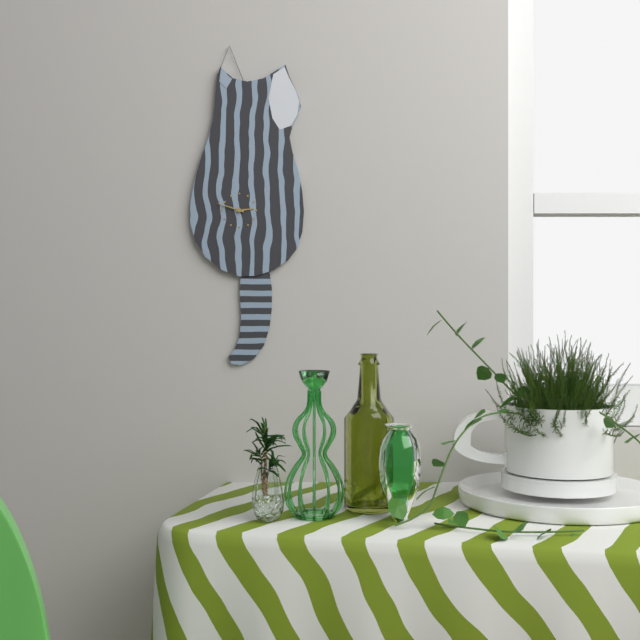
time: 2:48
